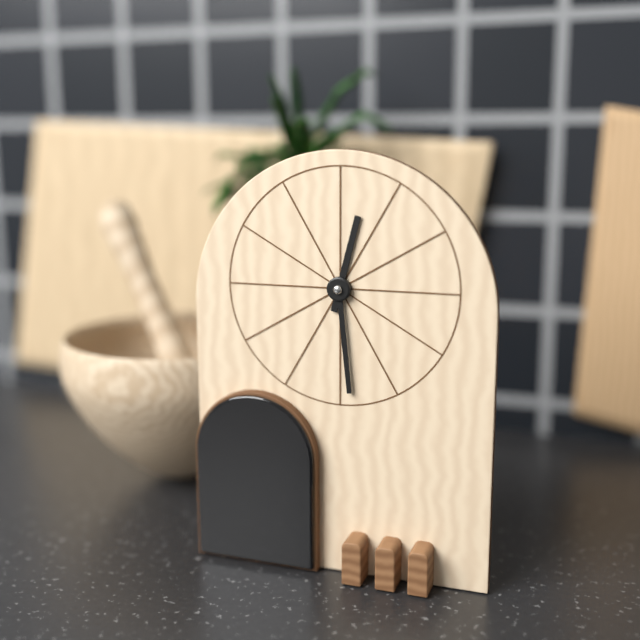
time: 12:29
